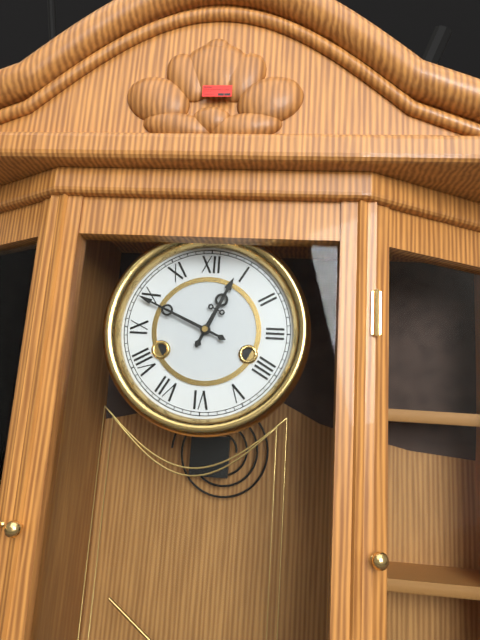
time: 12:49
